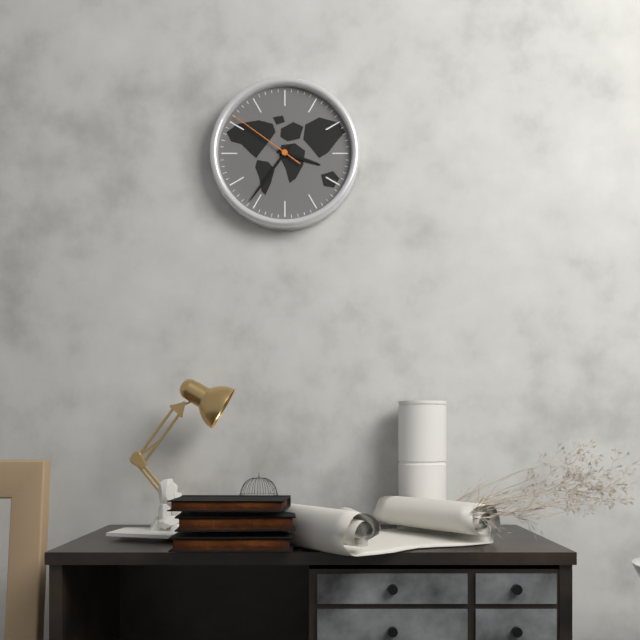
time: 3:36:51
